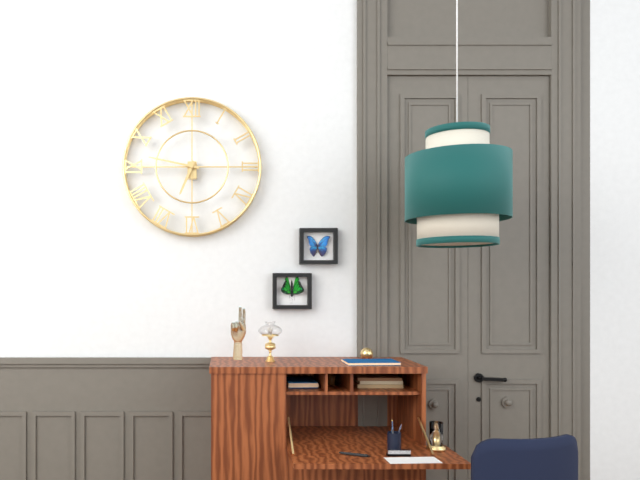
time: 6:47
